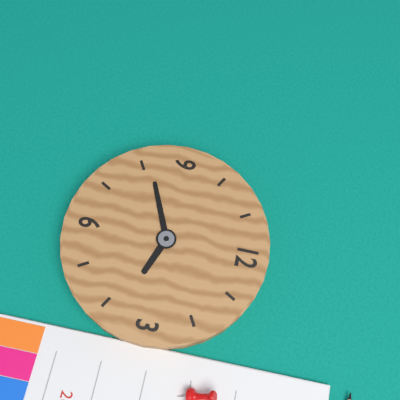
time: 3:41
